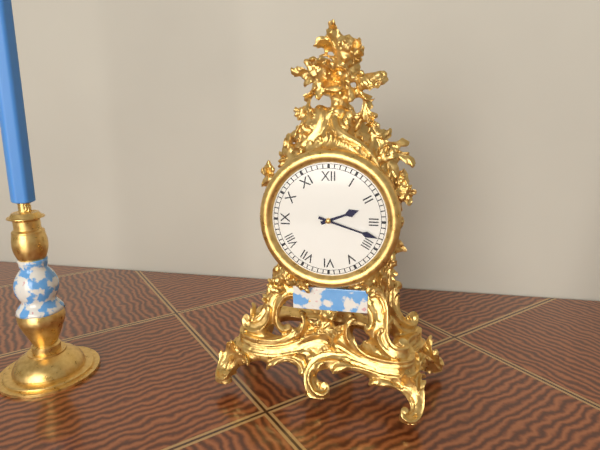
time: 2:18
